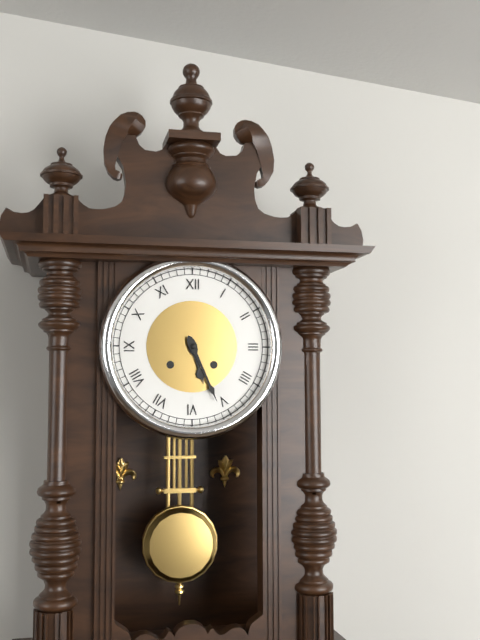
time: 5:26
